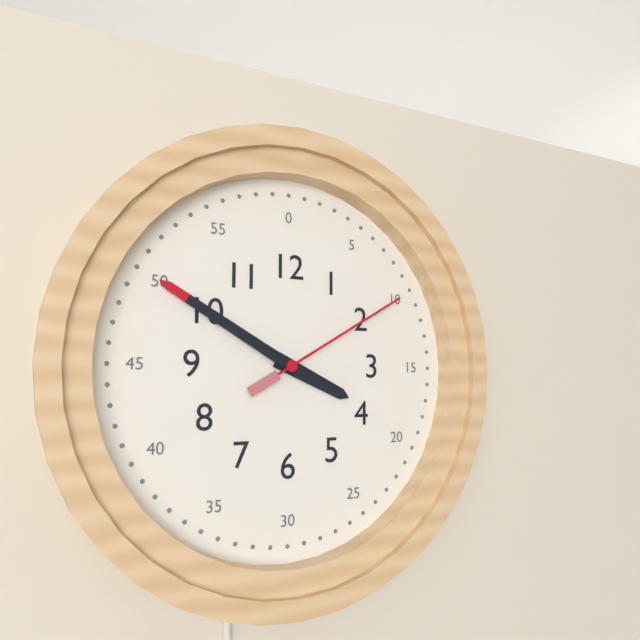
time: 3:50:10
